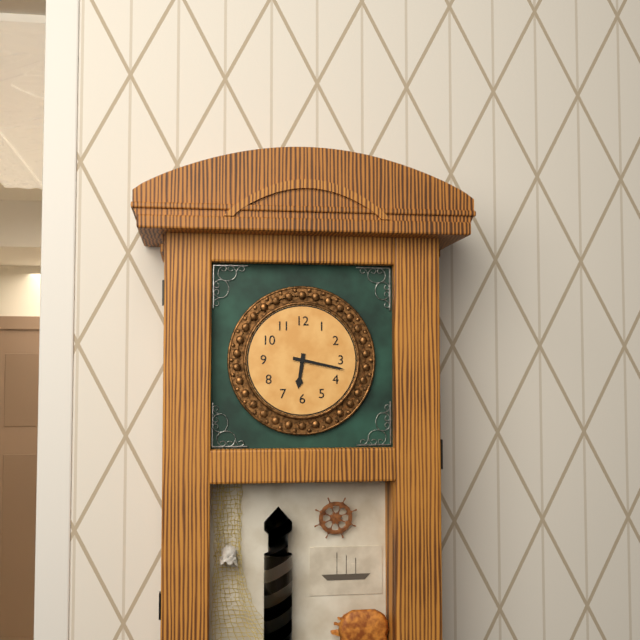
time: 6:17
